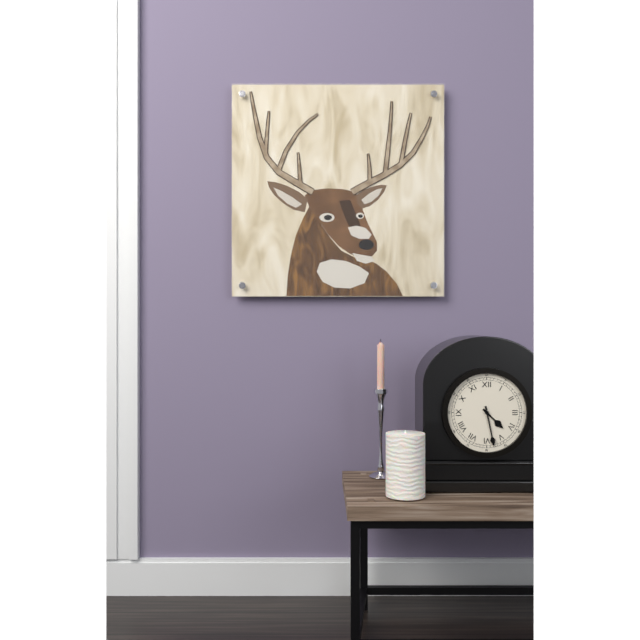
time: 4:28
